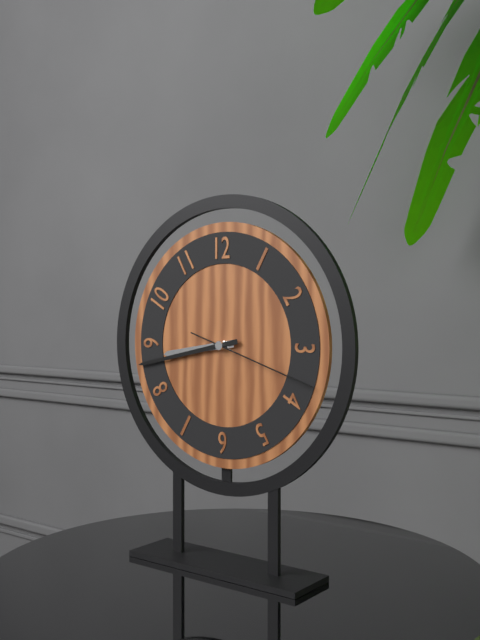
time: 8:43:18
